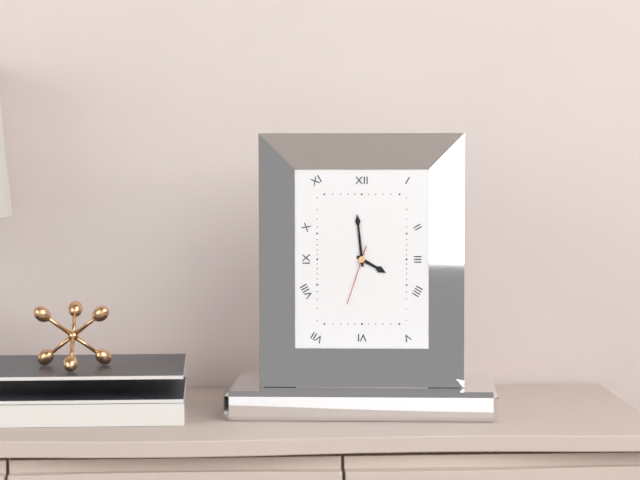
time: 3:59:33
